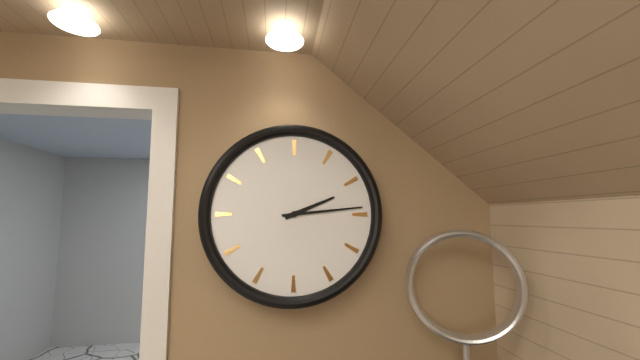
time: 2:14
